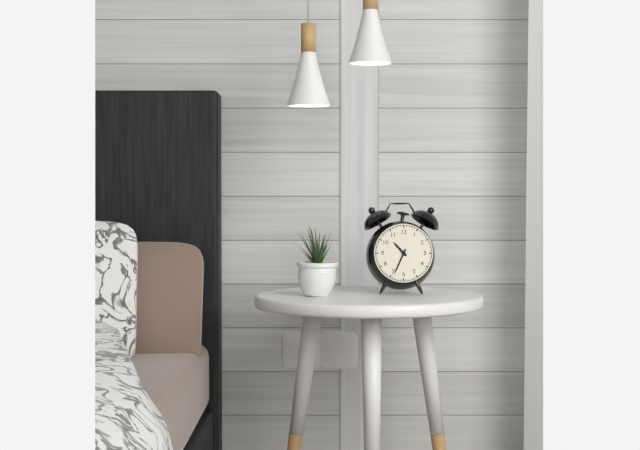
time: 10:34
